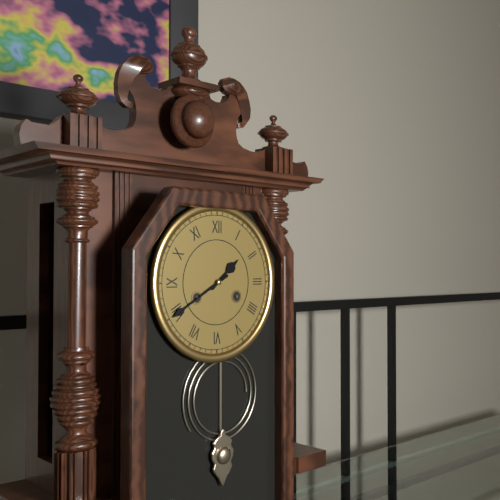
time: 1:40
